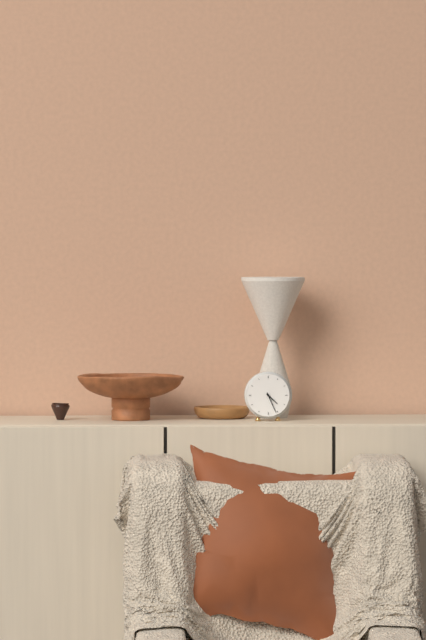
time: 4:26
